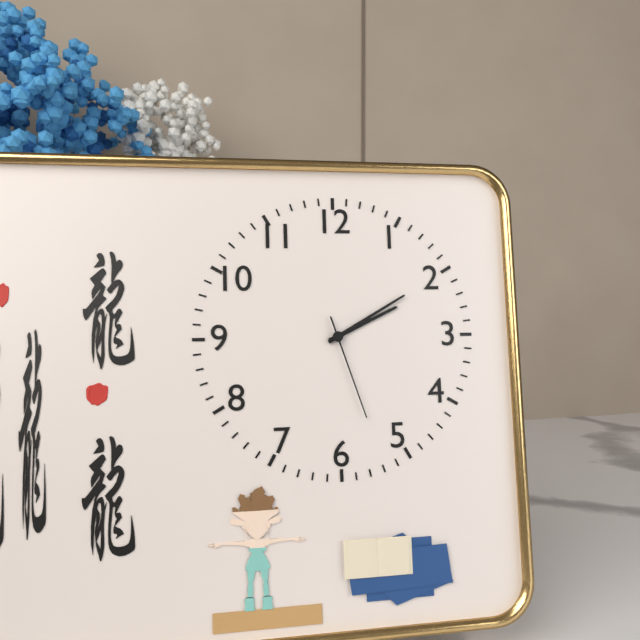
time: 2:10:27
